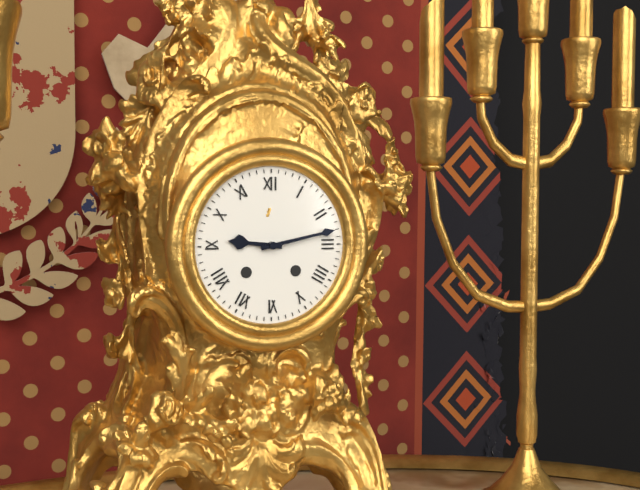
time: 9:13
